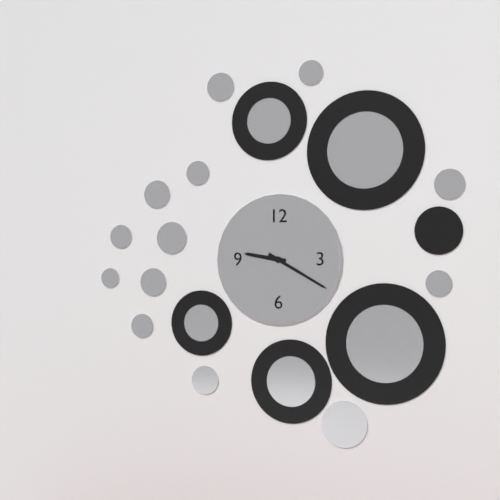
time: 9:20
